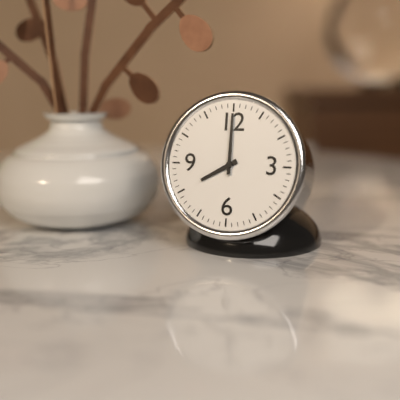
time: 8:00
